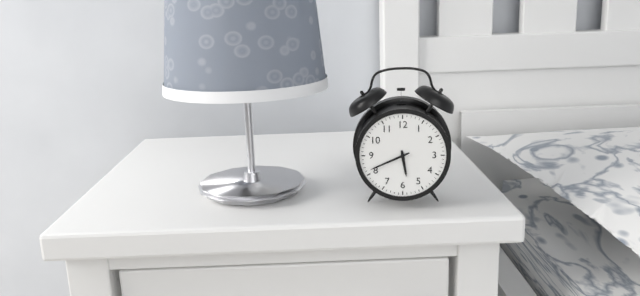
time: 5:41
